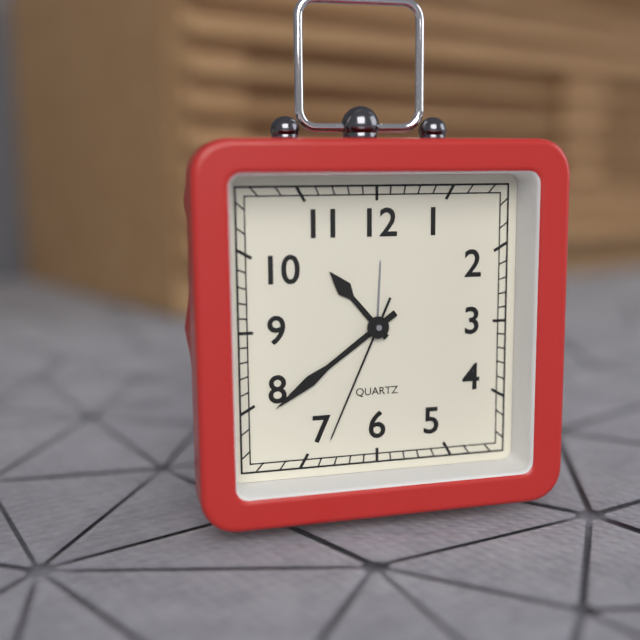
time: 10:39:34
